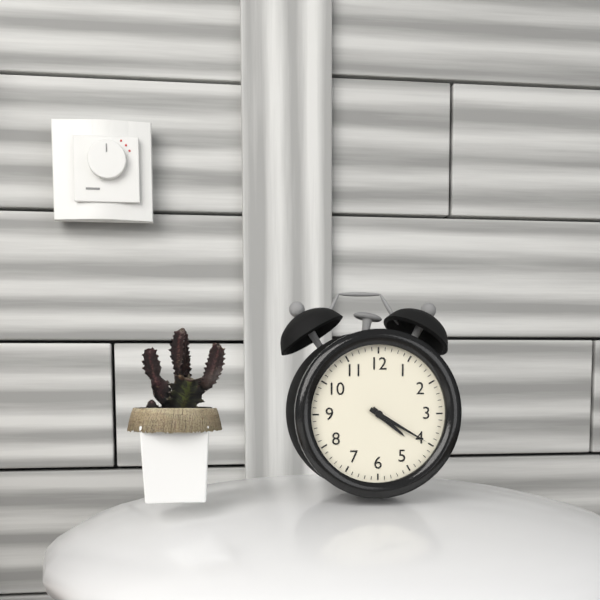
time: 4:20
